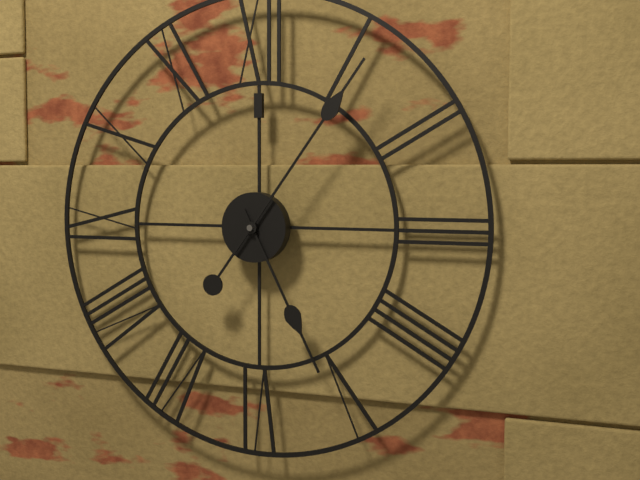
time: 5:06
